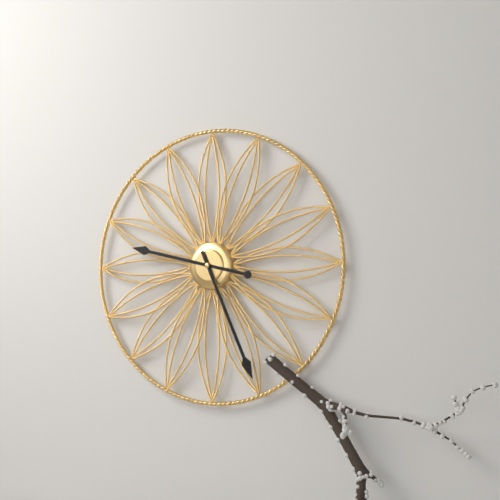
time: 9:26
